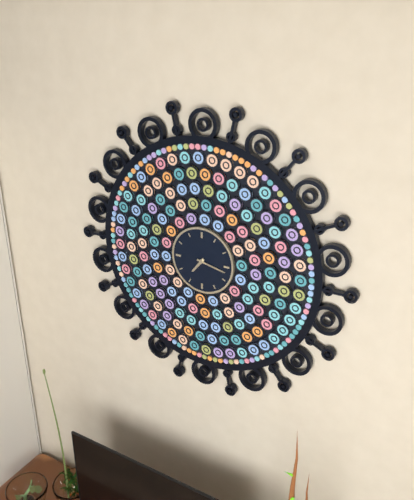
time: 7:17
